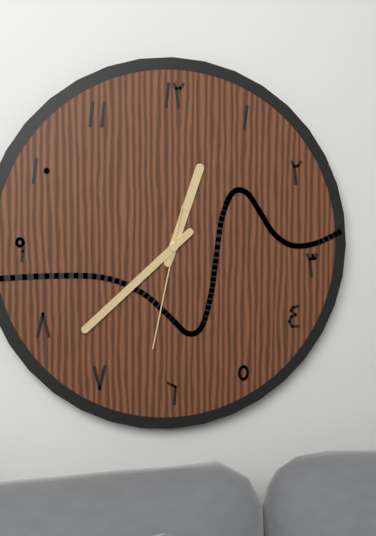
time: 12:38:32
